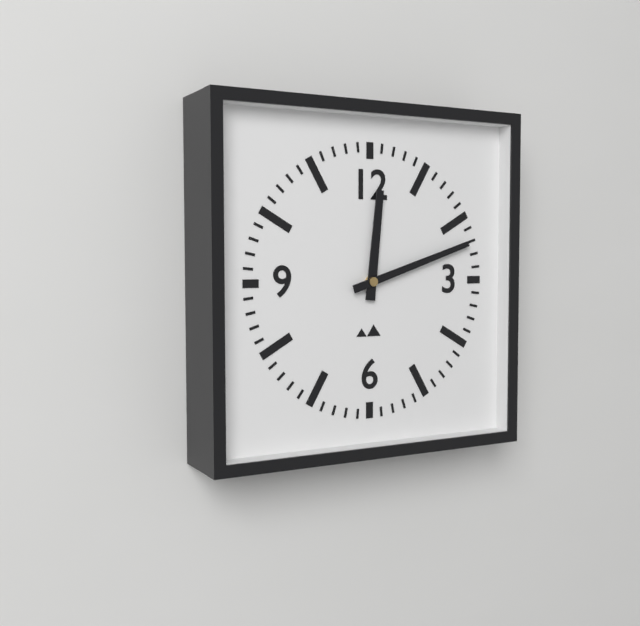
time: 12:12
